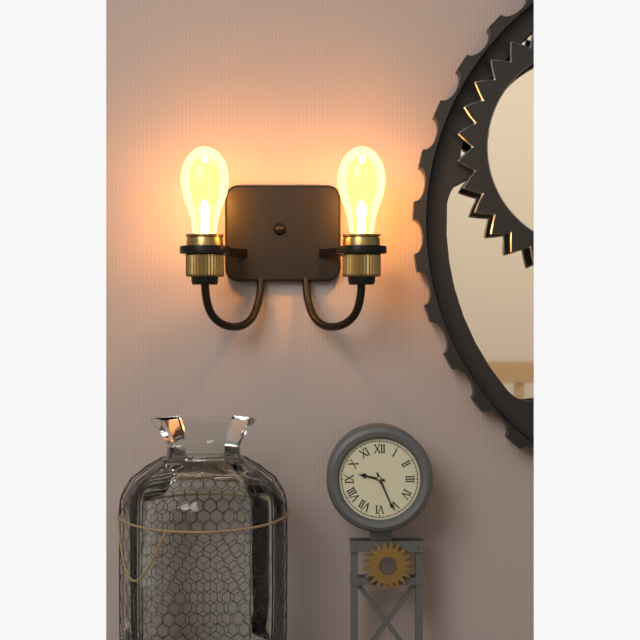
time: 9:26
